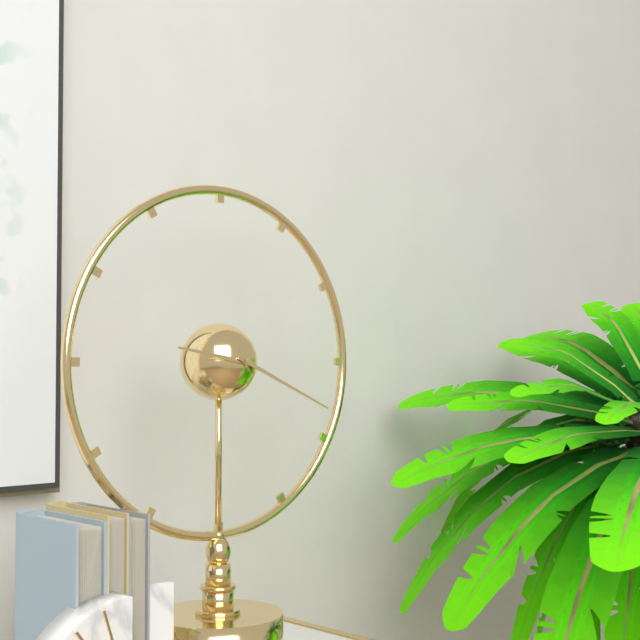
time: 9:19
